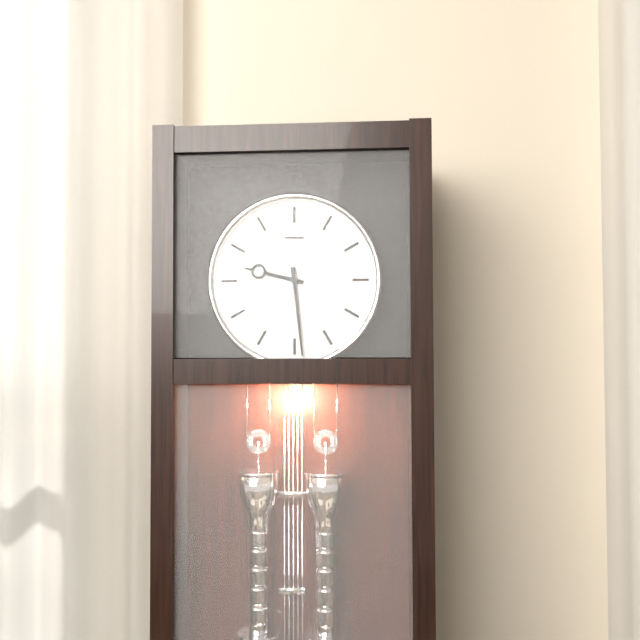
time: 9:29
